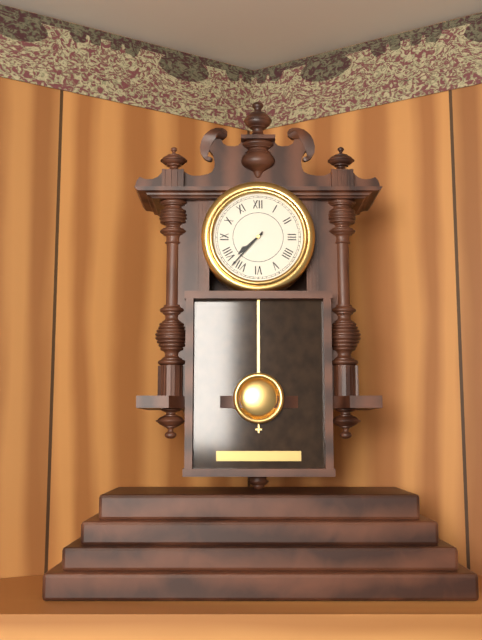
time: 7:37
